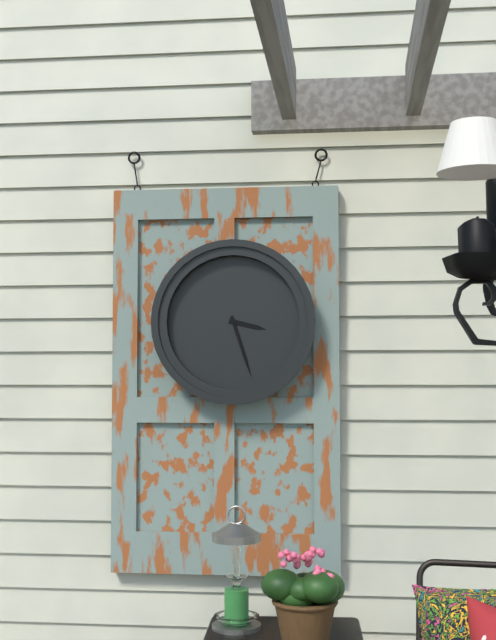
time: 3:27
